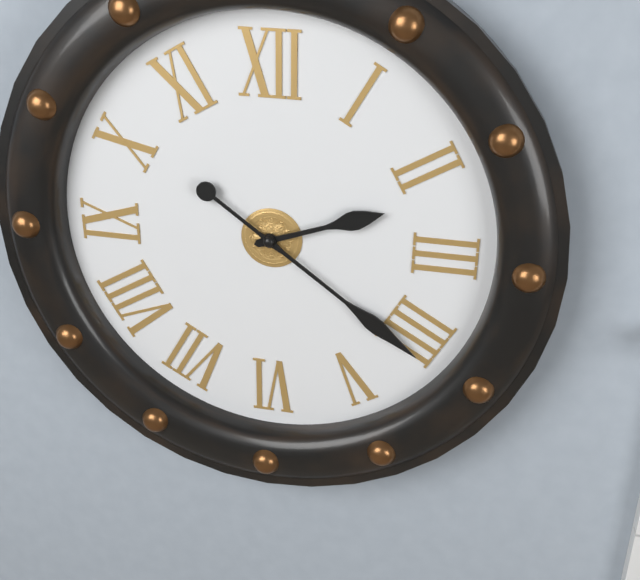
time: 2:21
